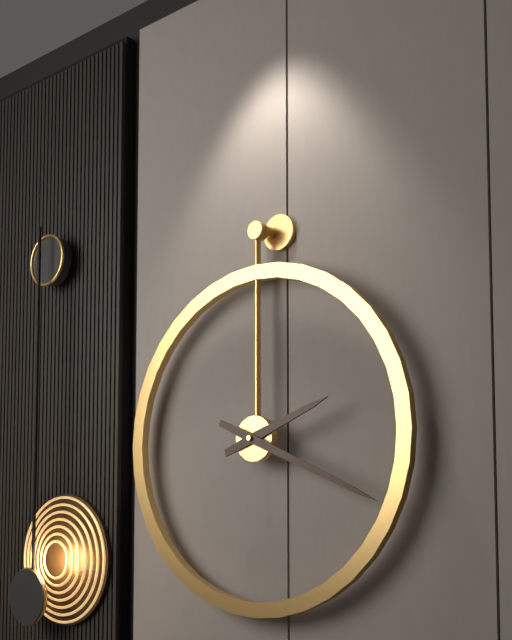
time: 2:19
